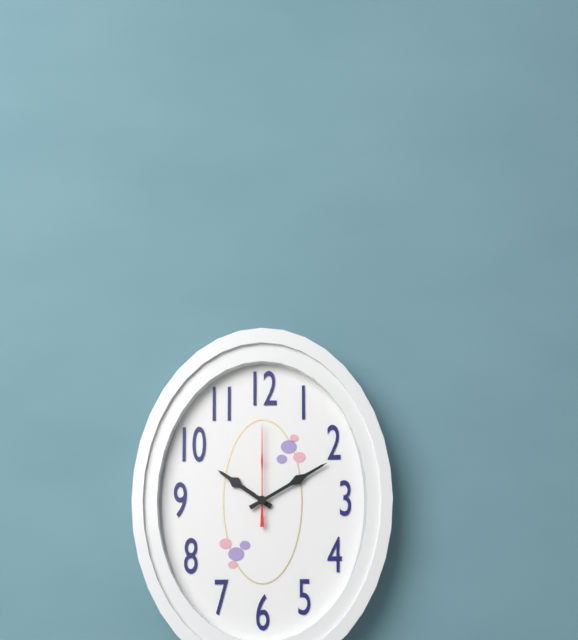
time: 10:10:00
